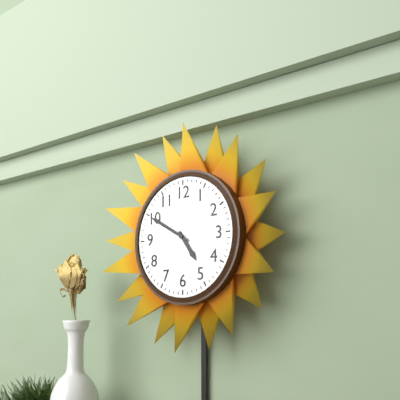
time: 4:50
